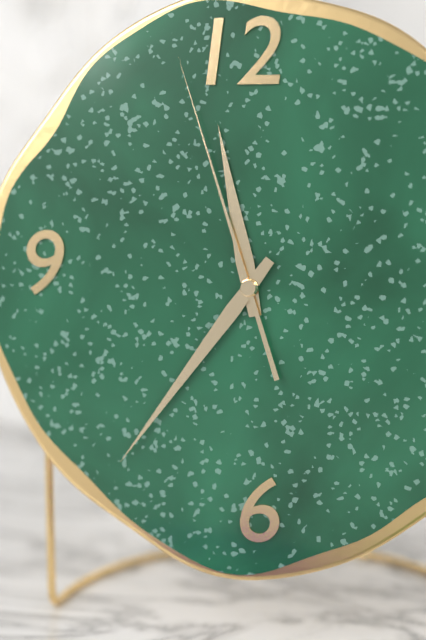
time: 11:36:57
